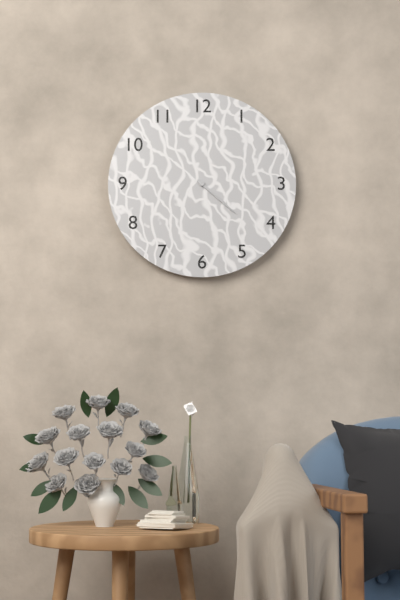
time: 4:22
